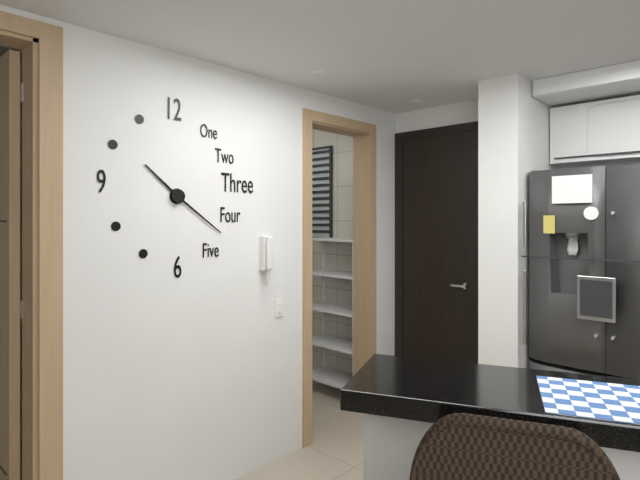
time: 10:21
